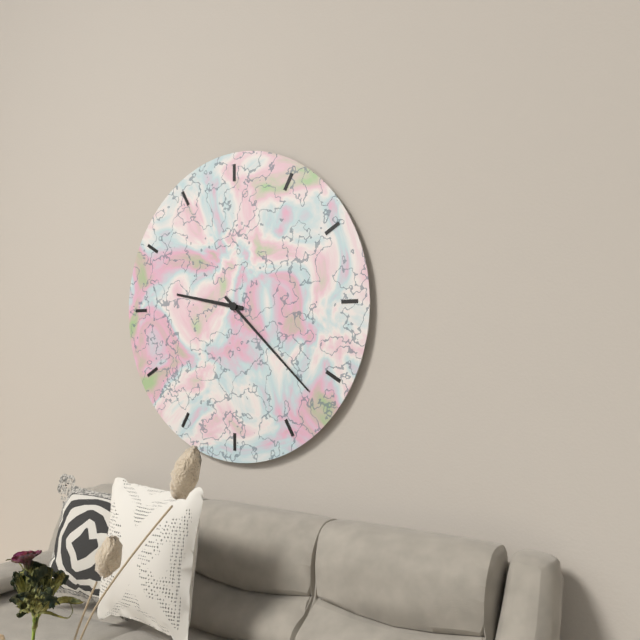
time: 9:22
